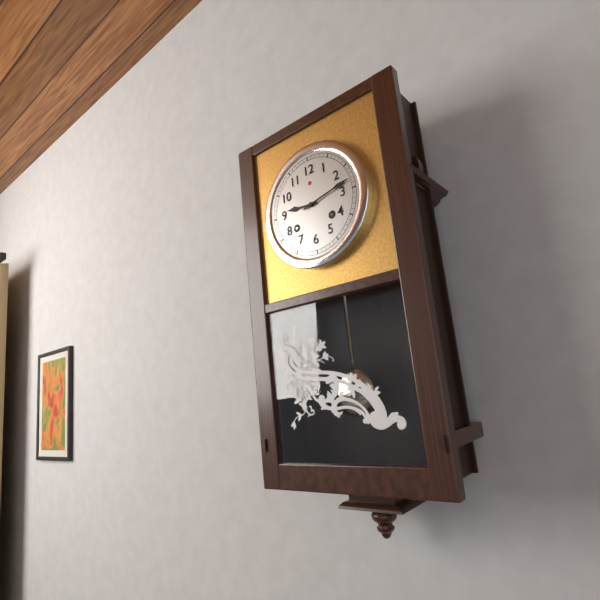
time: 9:13
